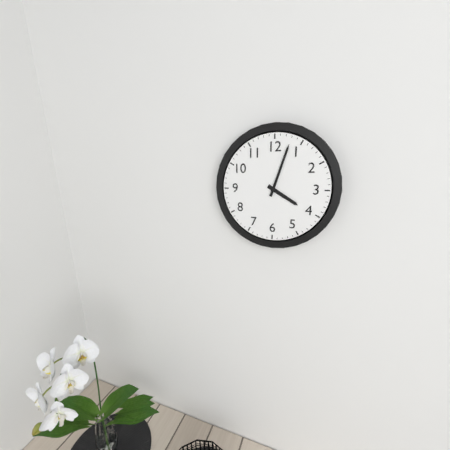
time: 4:03
